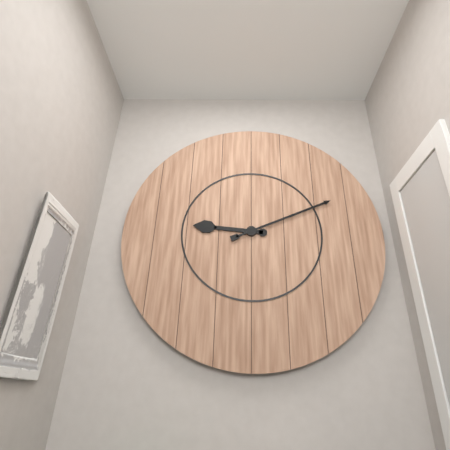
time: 9:11
